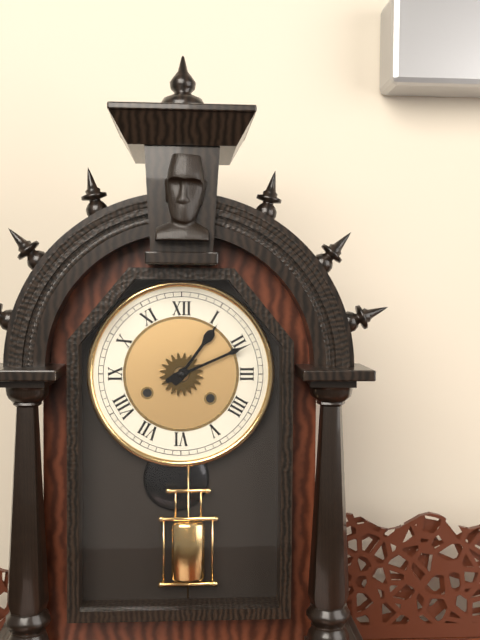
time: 1:11
